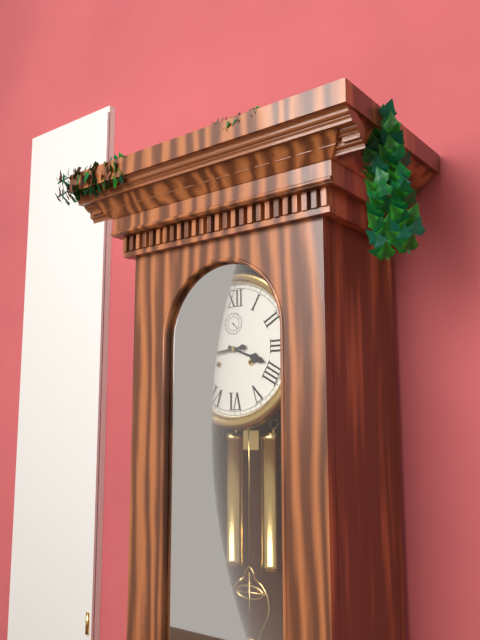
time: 3:44
